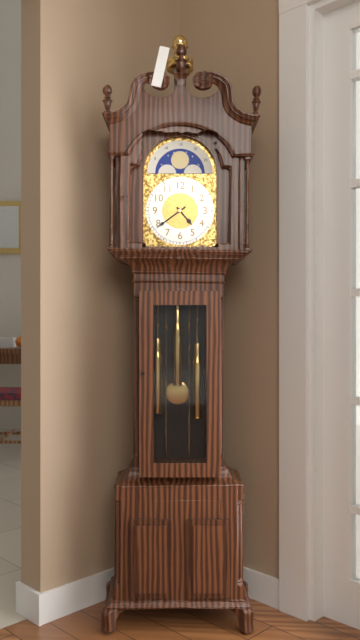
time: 4:39
